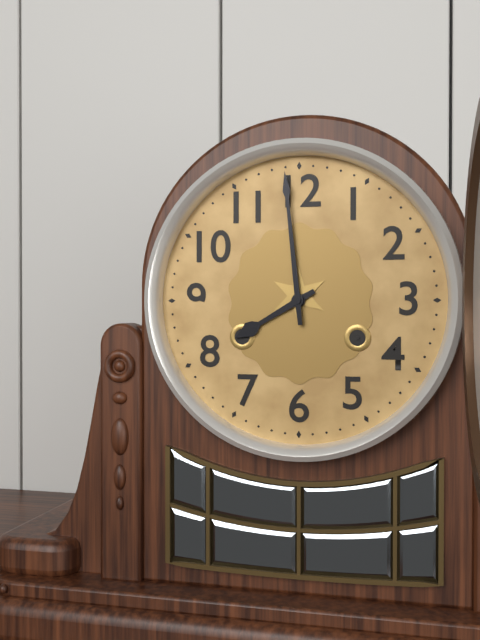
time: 7:59
